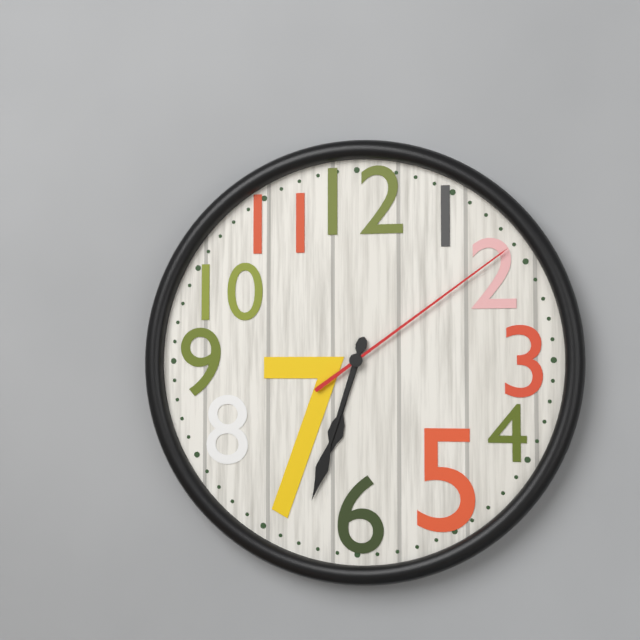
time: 6:33:09
